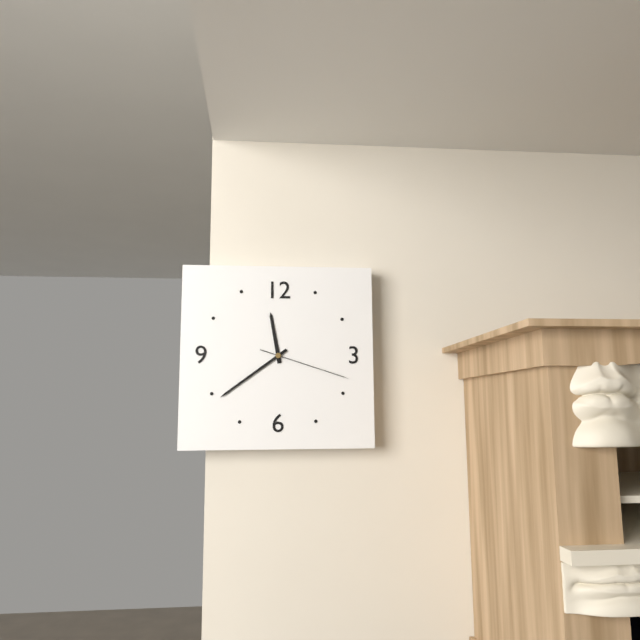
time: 11:39:18
